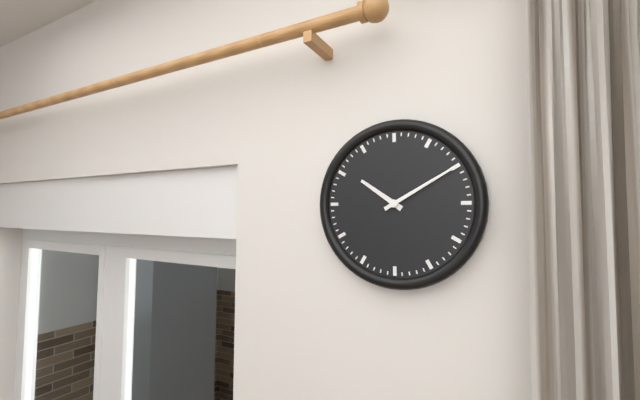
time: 10:10
